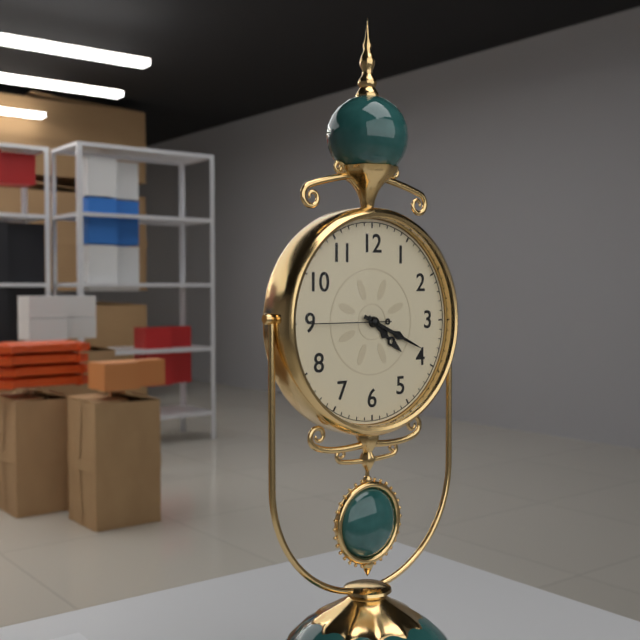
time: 4:19:45
